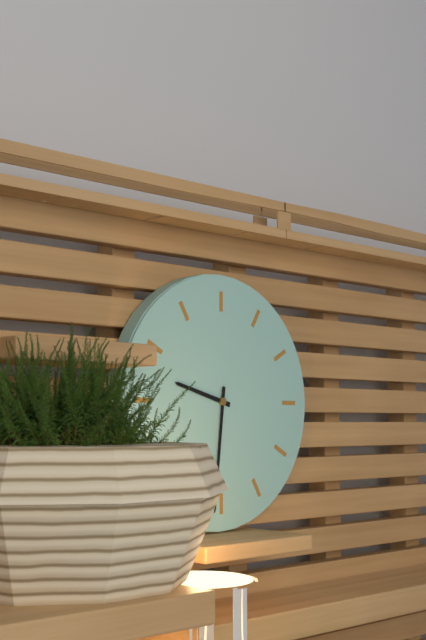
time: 9:31
